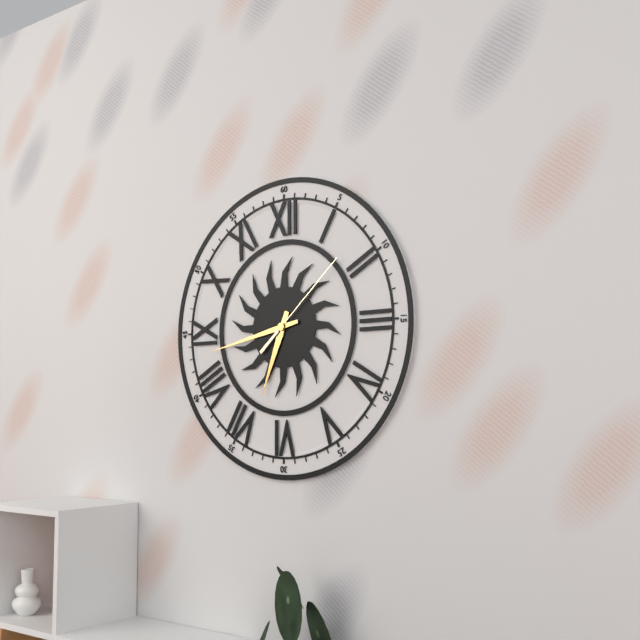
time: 6:43:08
